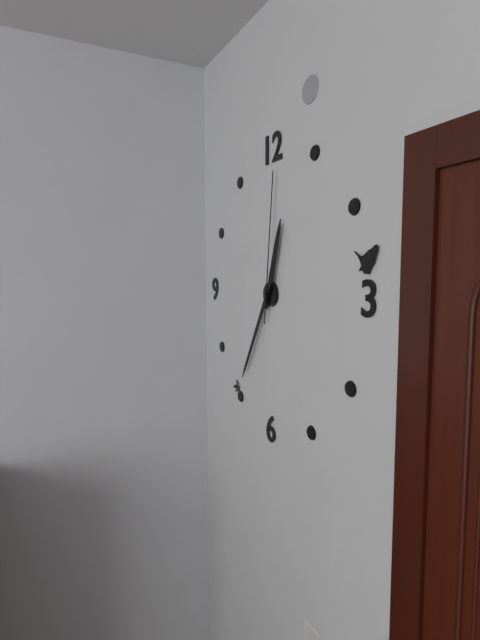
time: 12:35:01
